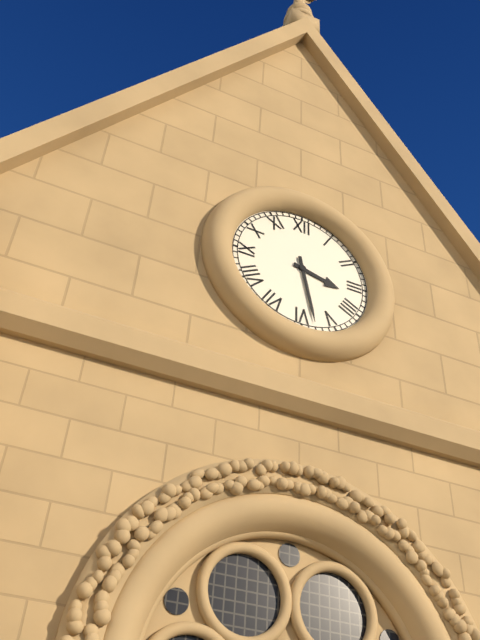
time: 3:28
